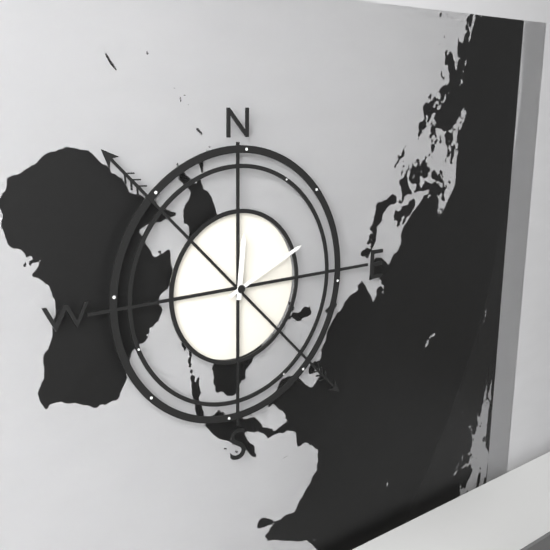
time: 12:11
